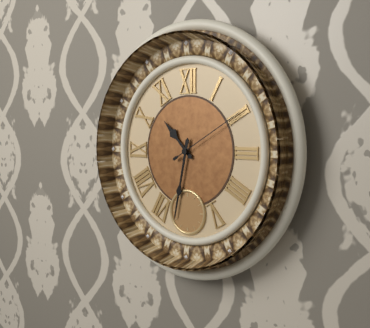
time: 10:32:10
